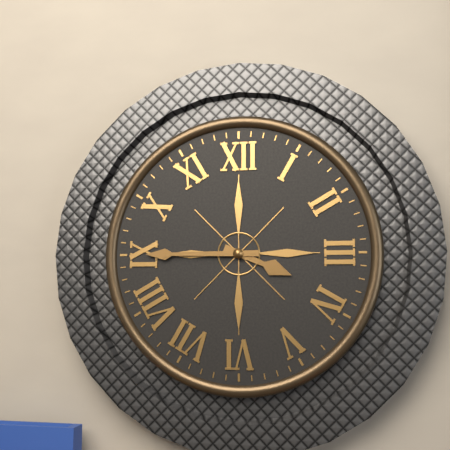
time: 3:45
